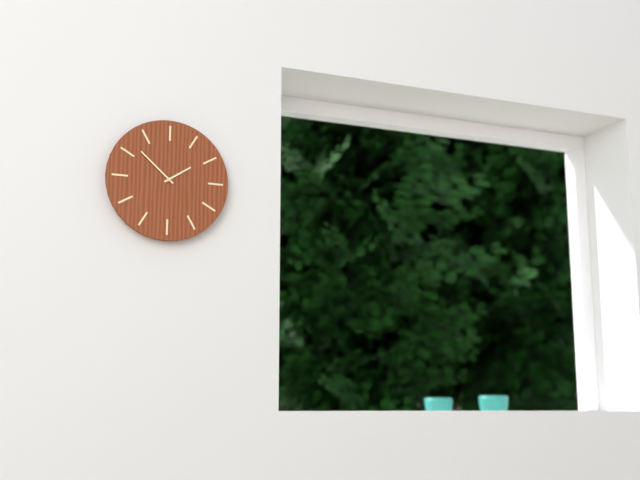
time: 1:52
